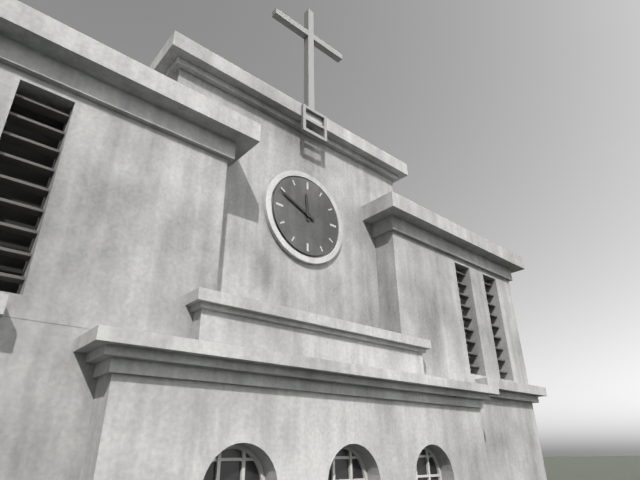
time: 11:49
